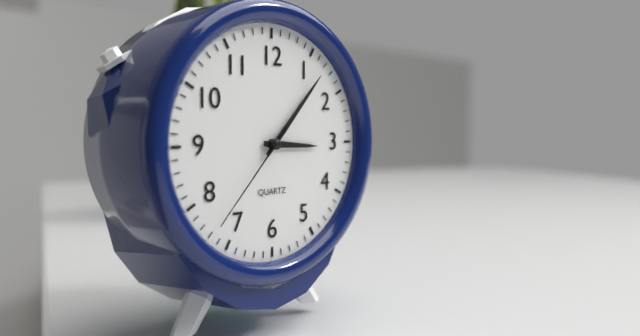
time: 3:07:37
